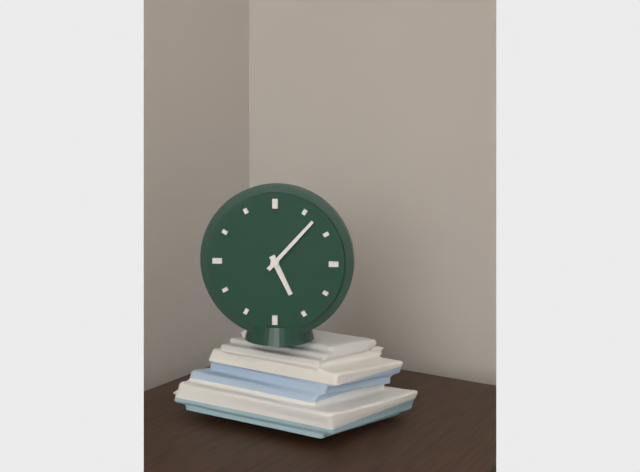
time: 5:07
